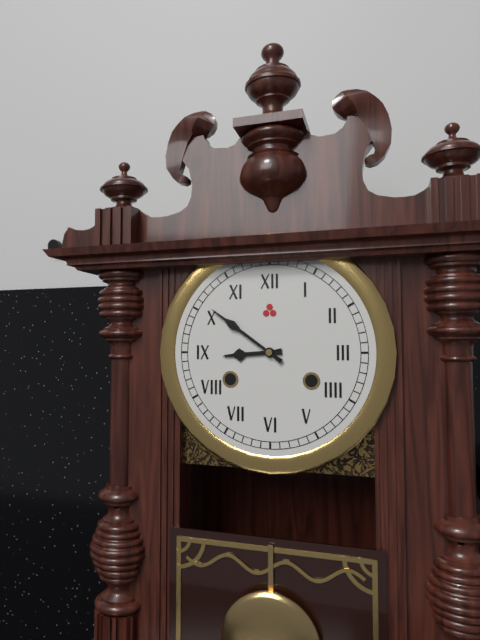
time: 8:51
